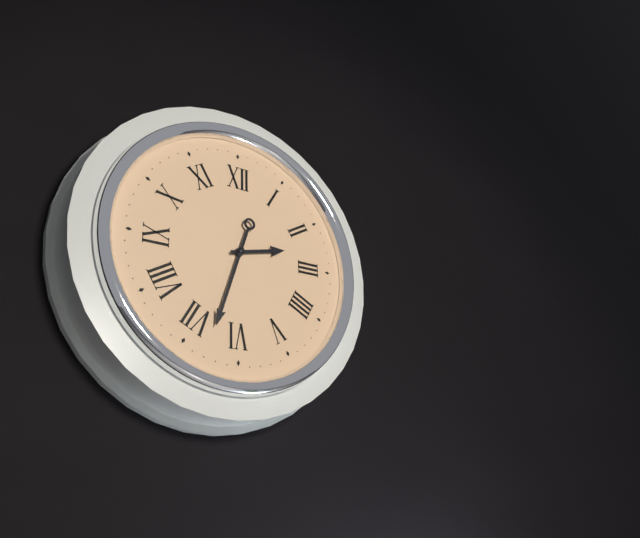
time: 2:33
